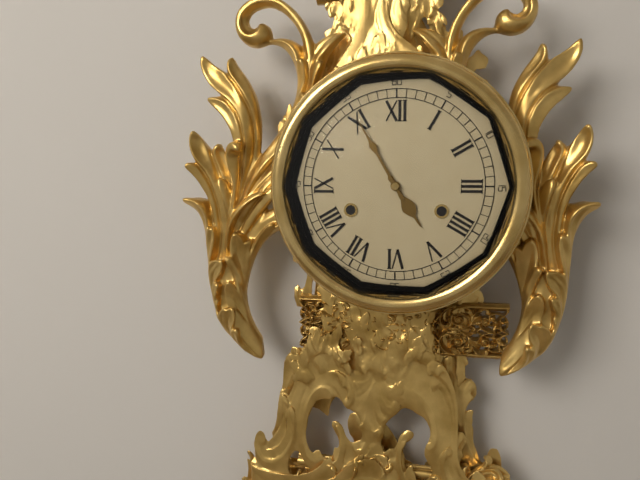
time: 4:55
